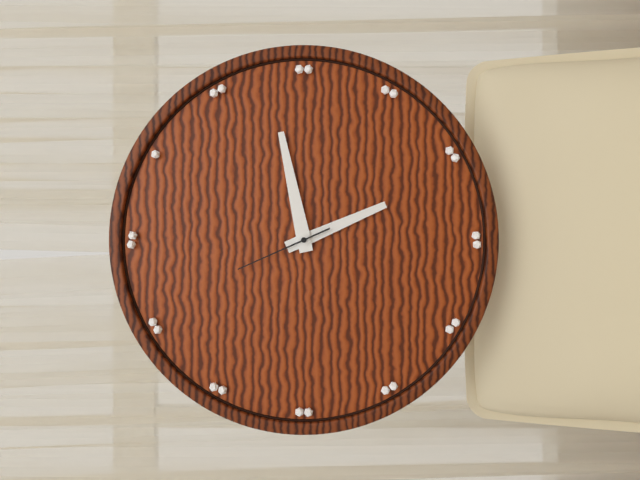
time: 5:13:56
